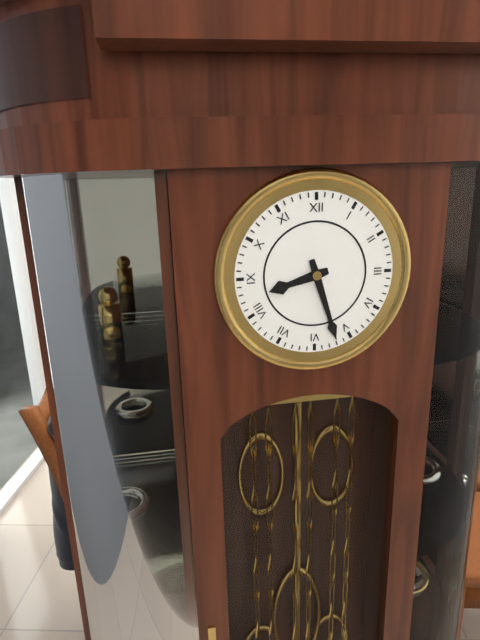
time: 8:27
